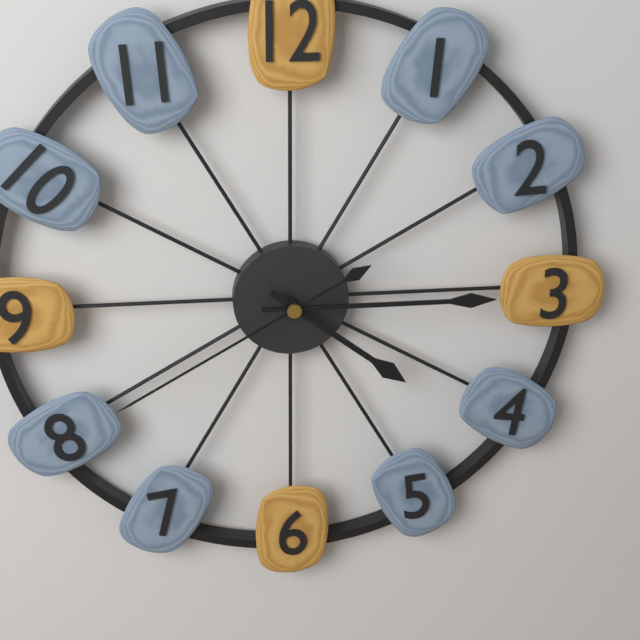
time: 4:15:40
